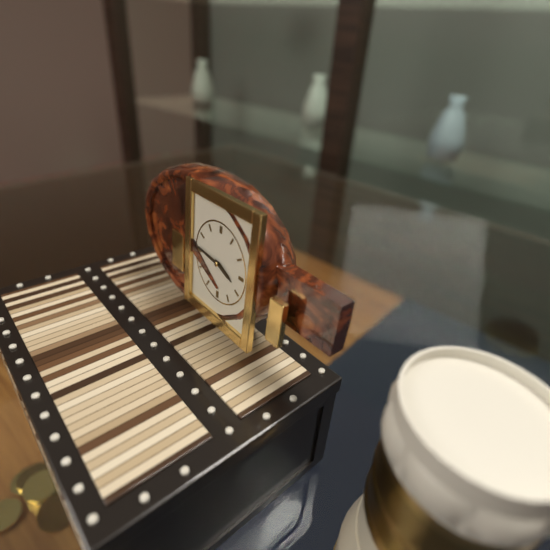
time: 3:46
